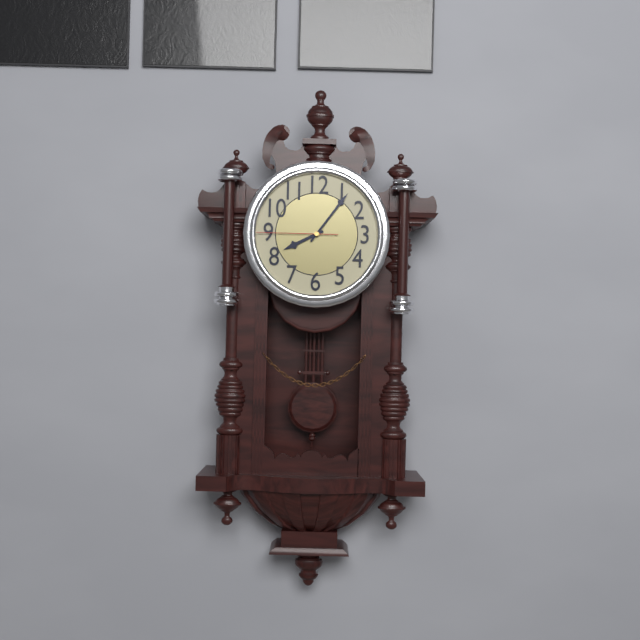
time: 8:06:45
